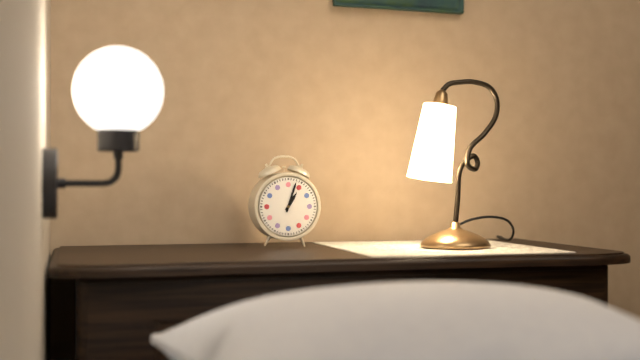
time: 1:03
